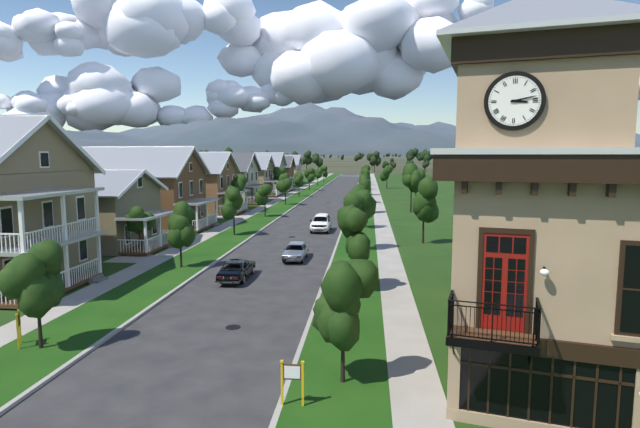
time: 3:13
